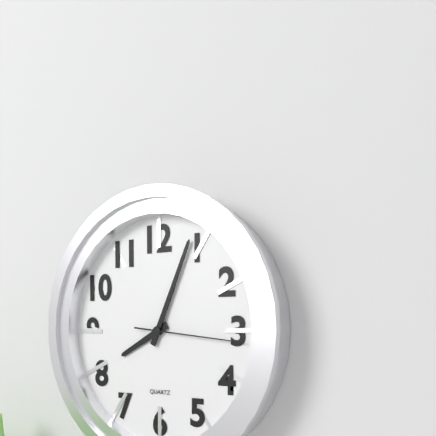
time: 8:04:16
